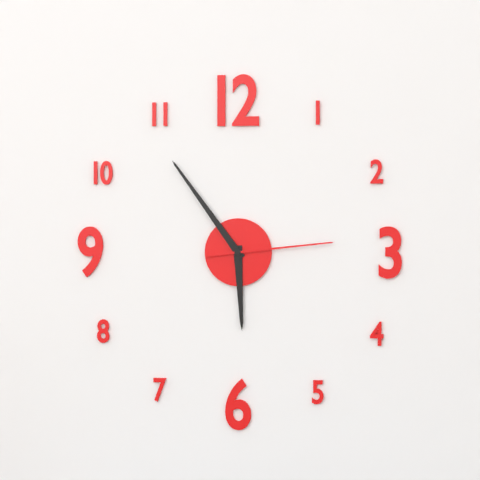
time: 5:54:14
